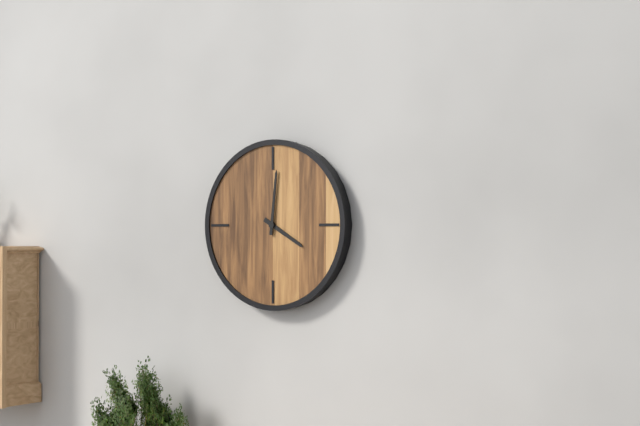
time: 4:01
